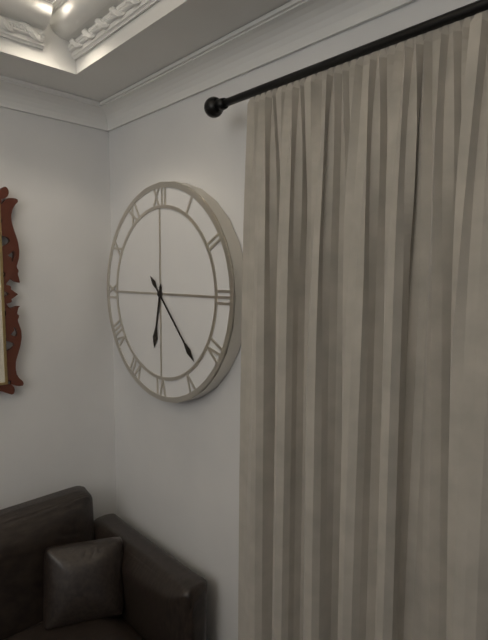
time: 6:23
